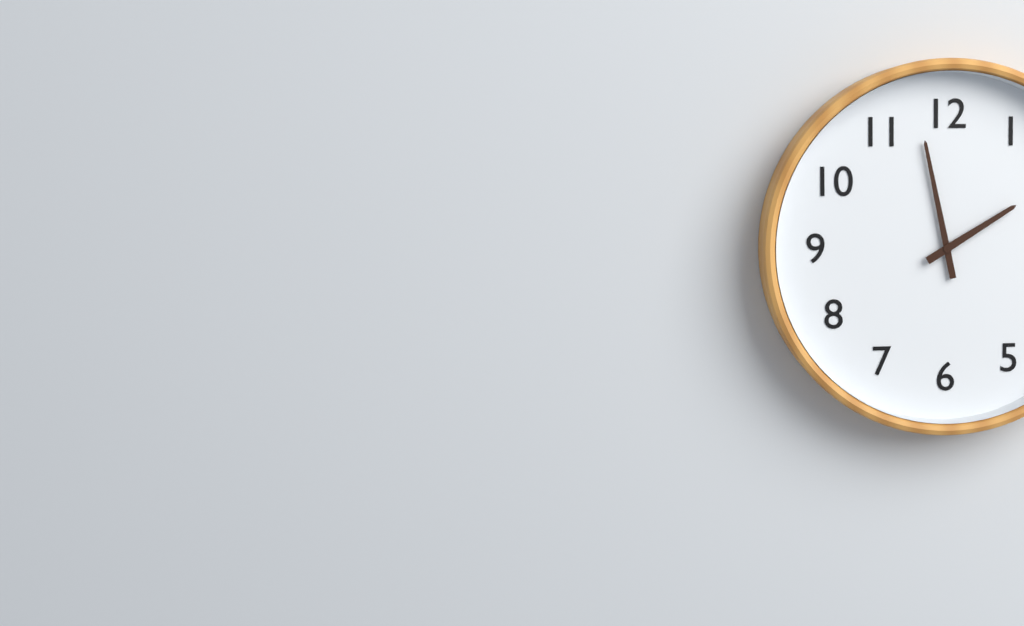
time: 1:58
